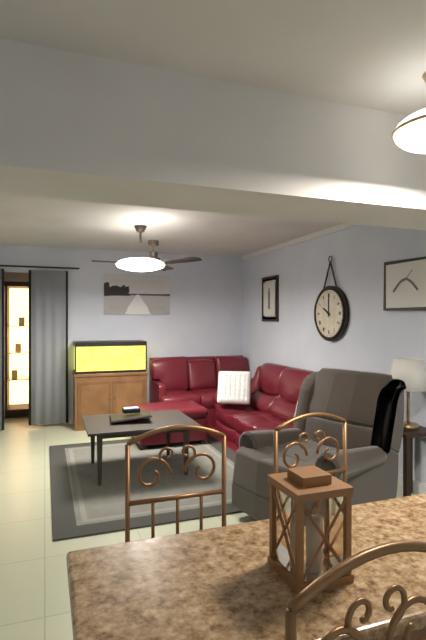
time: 10:00
